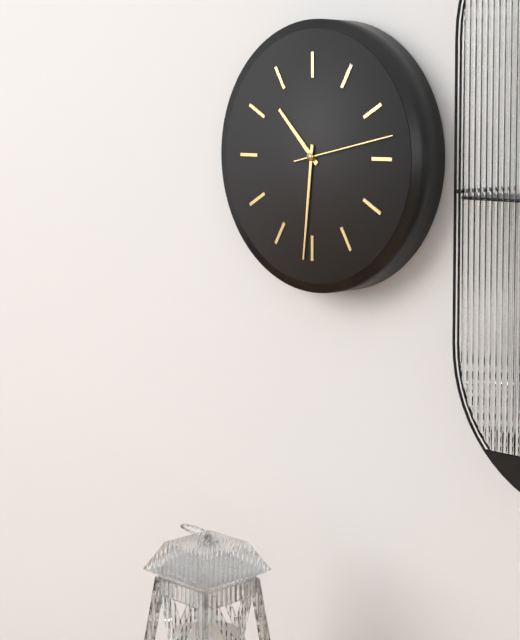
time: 10:31:13
